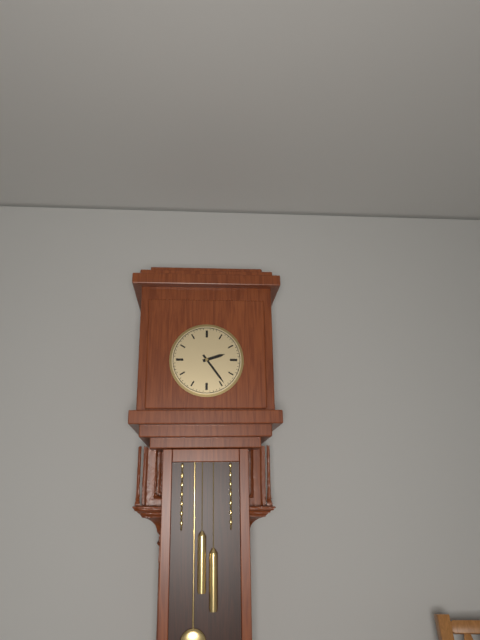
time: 2:24
